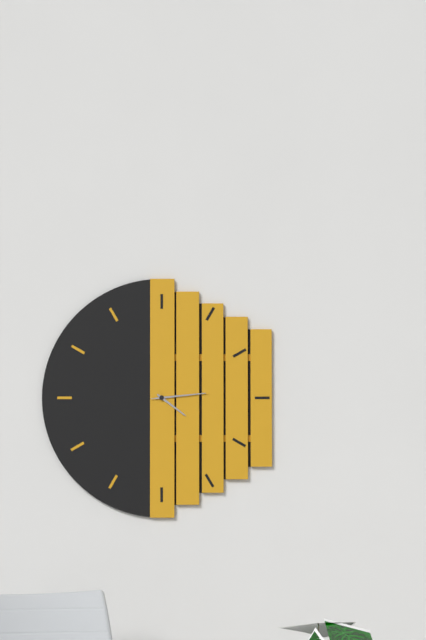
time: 4:14:14
